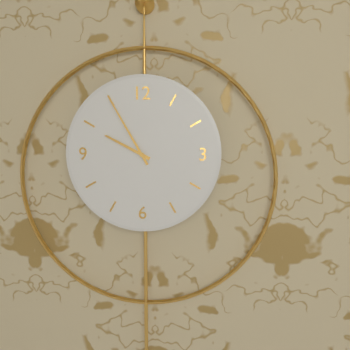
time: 9:55
